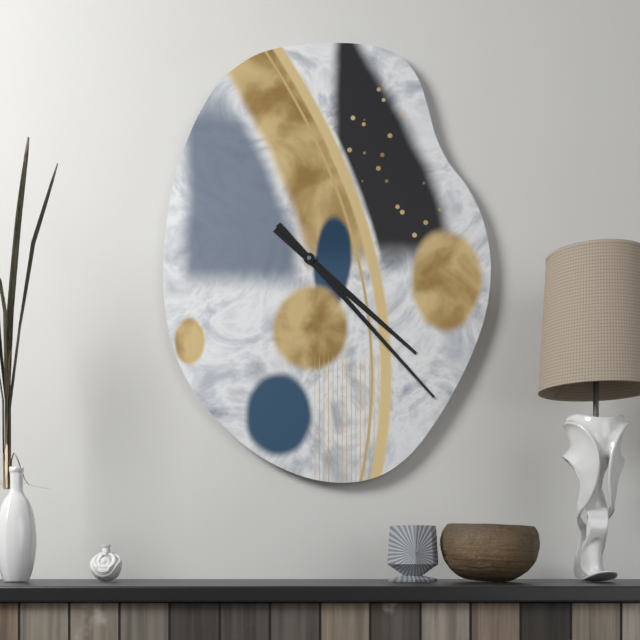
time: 4:23
